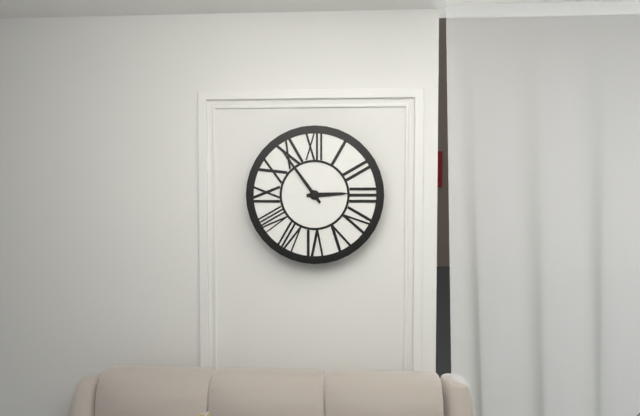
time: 2:54
